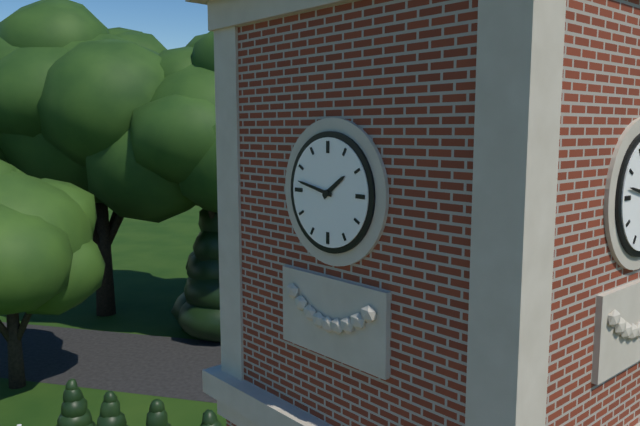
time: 1:47
